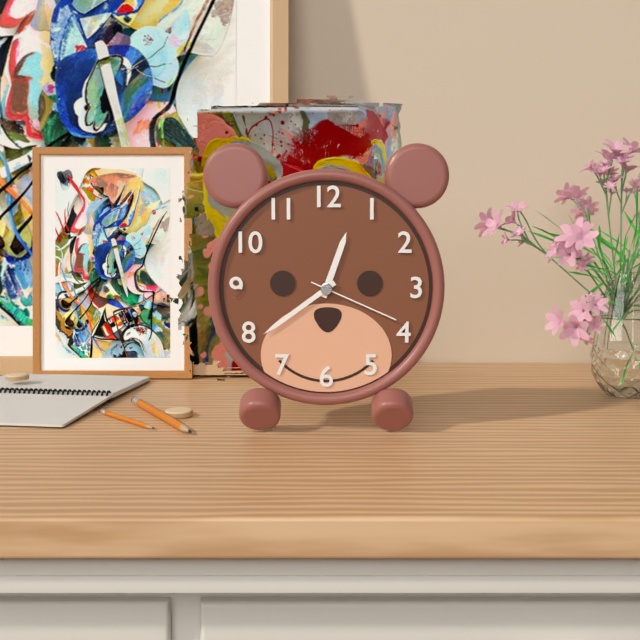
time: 12:39:19
